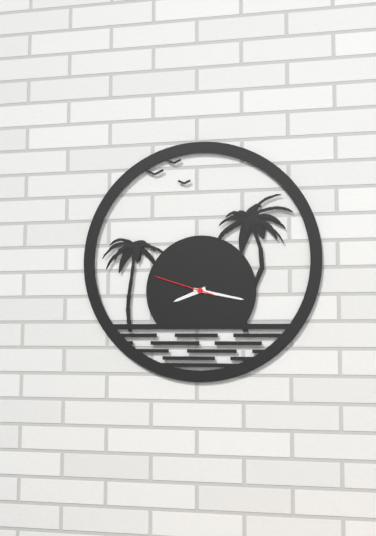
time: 8:17:48
